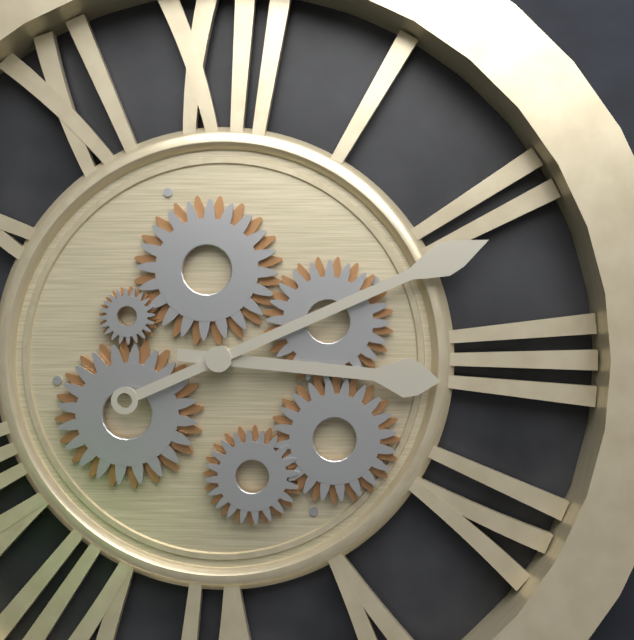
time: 3:11
